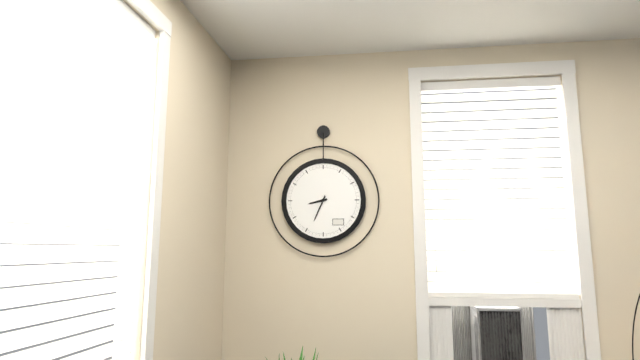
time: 8:34
